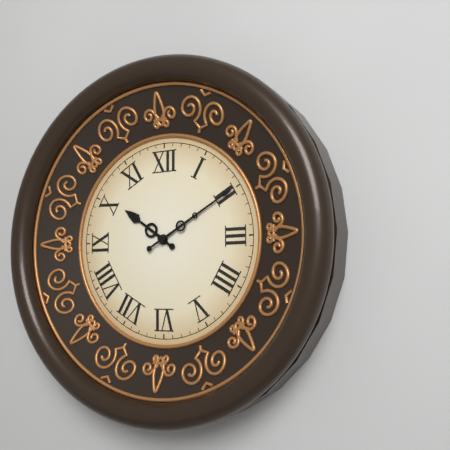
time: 10:10
